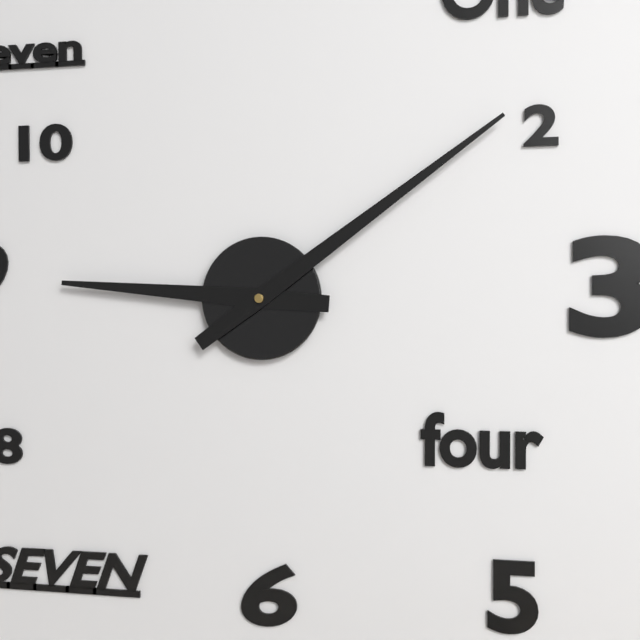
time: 9:09
